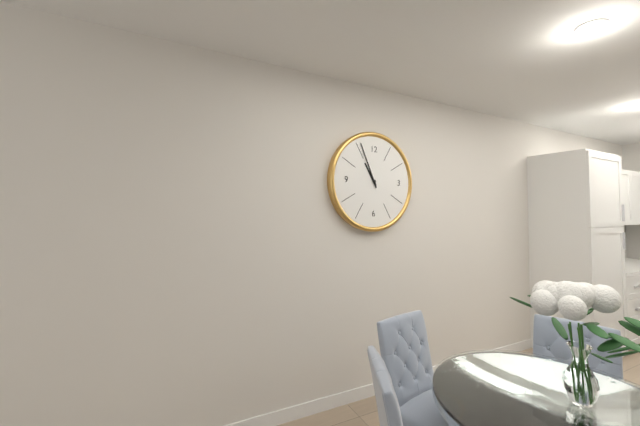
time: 10:56
